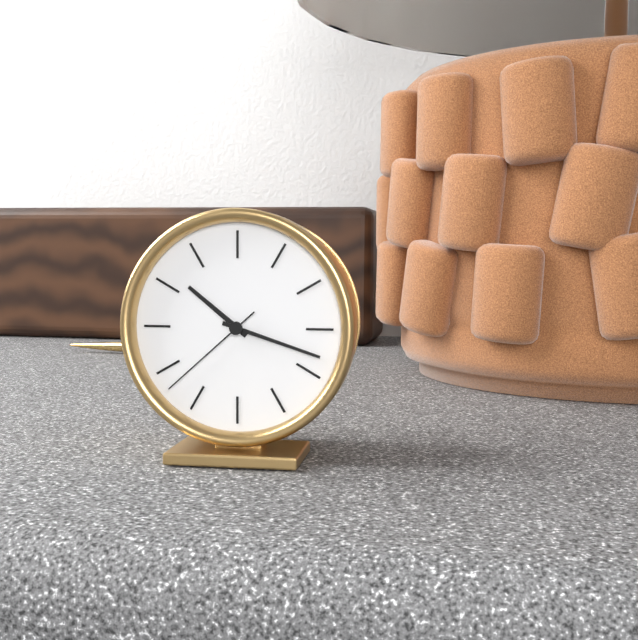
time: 10:18:38
